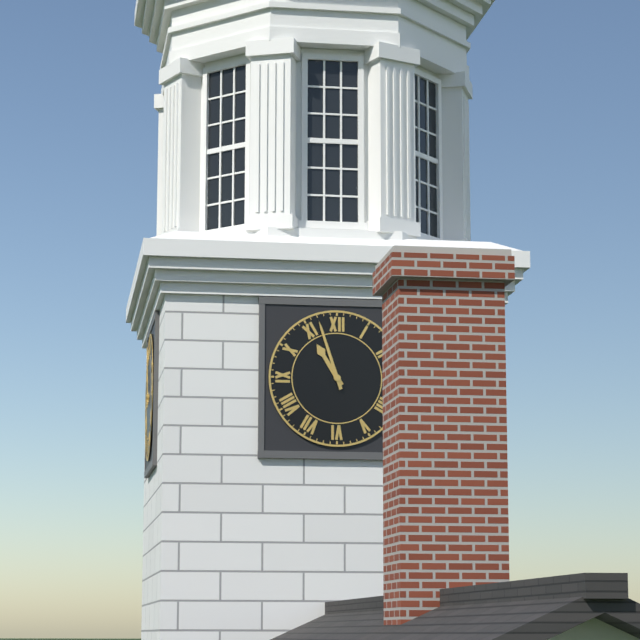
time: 10:57
